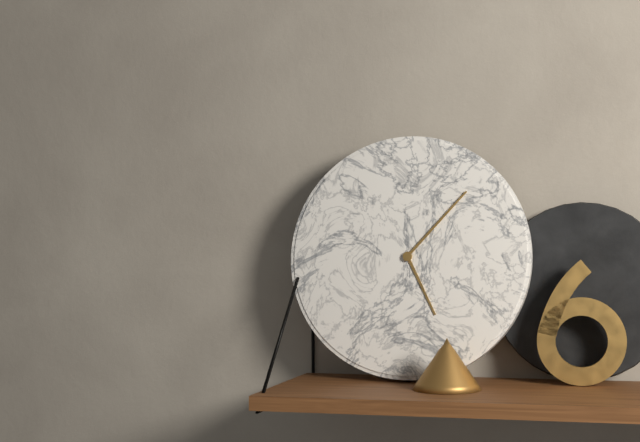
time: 5:07
